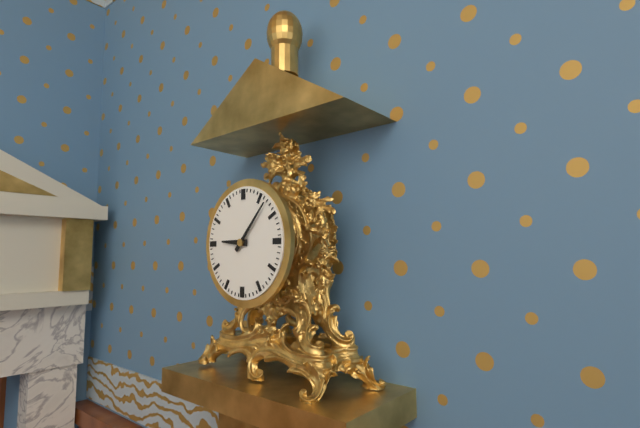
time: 9:07
